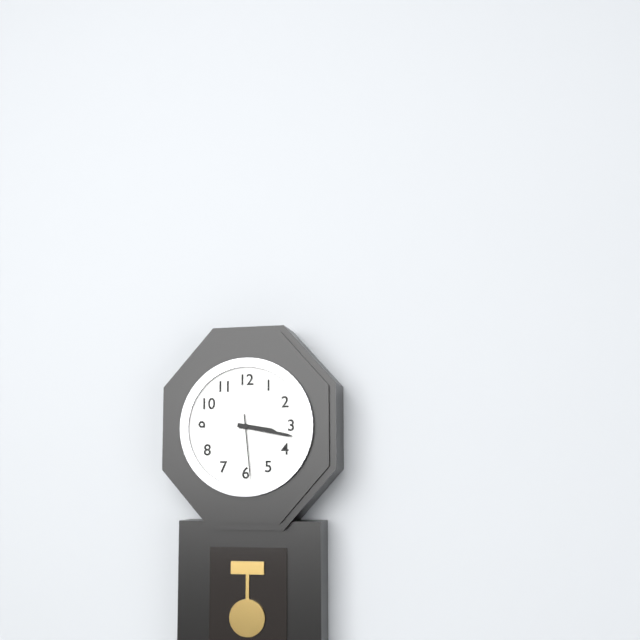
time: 3:17:29
